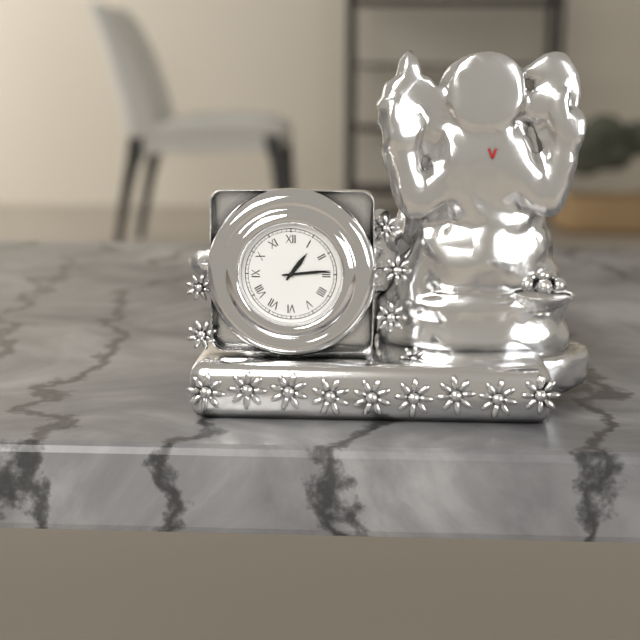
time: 1:14
